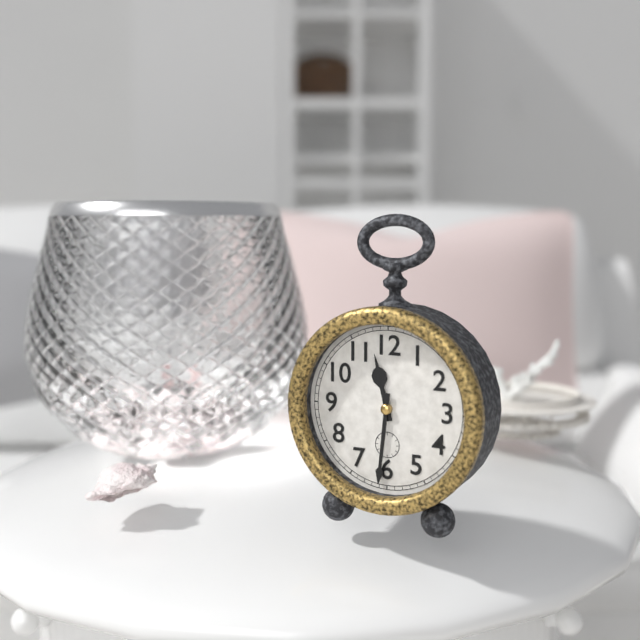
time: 11:31
